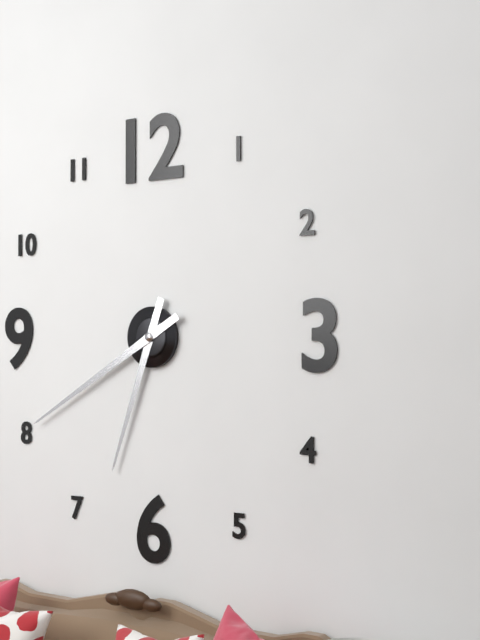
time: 6:40
